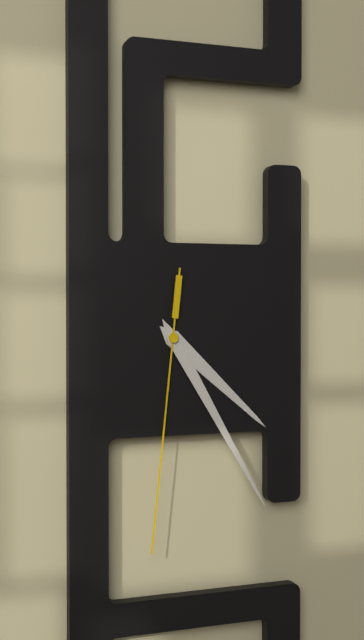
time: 4:25:31
